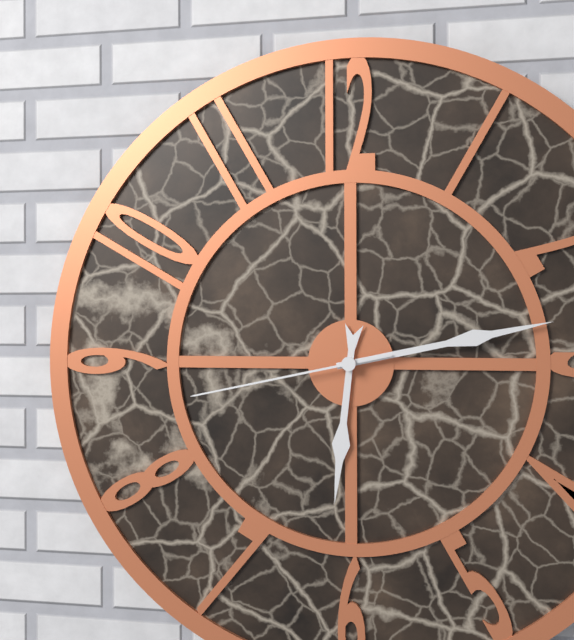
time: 6:13:43
